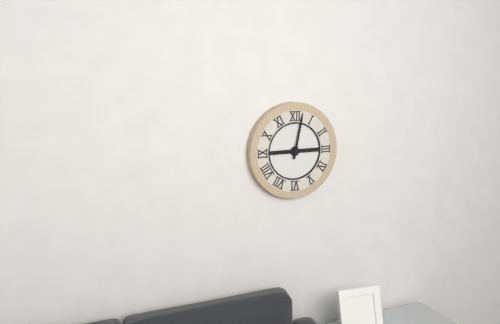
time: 9:02
